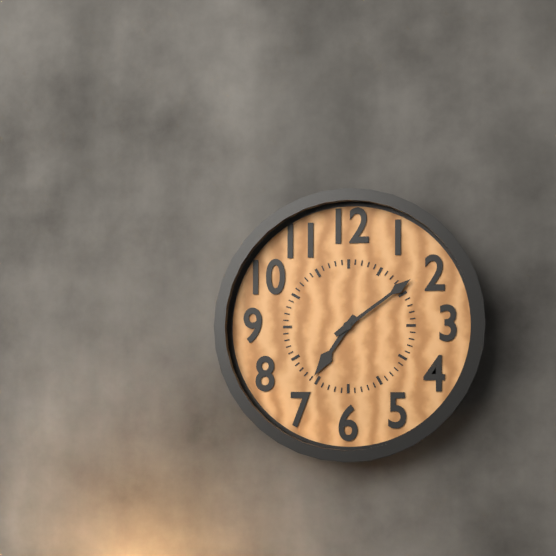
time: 7:09
